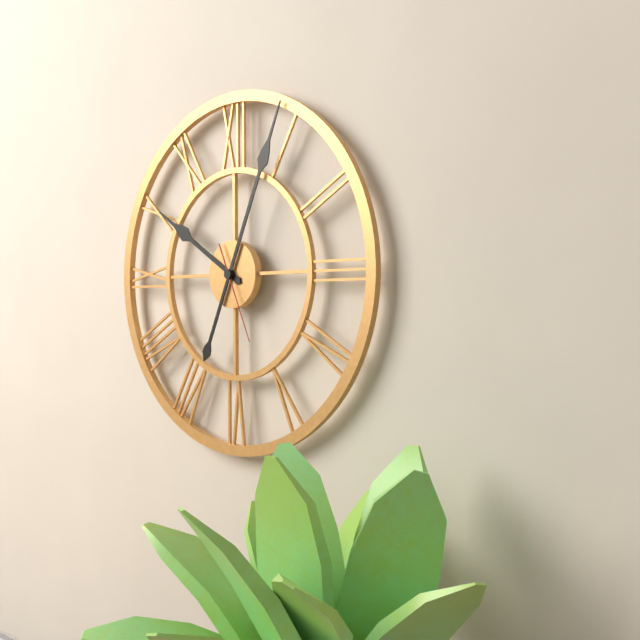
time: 10:04:26
